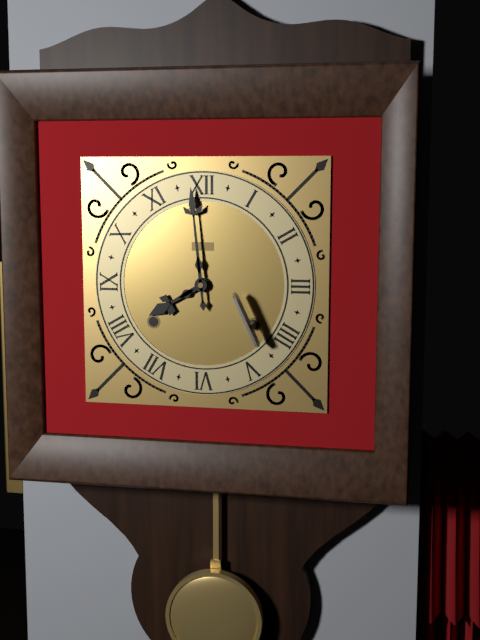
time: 7:59
